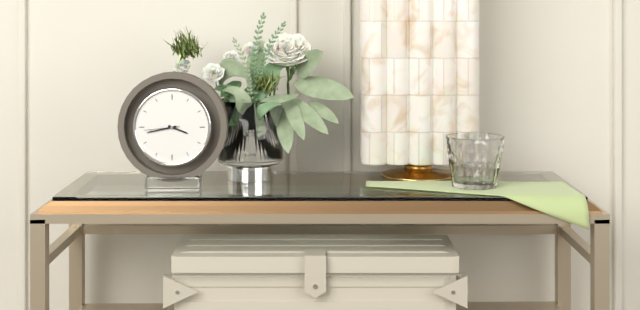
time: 3:43
